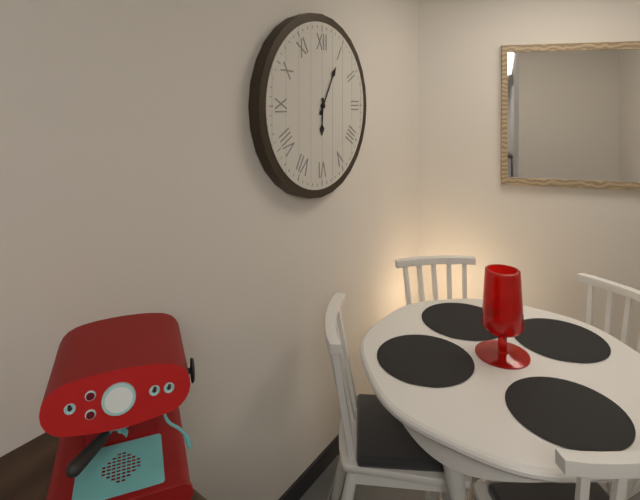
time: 6:05
